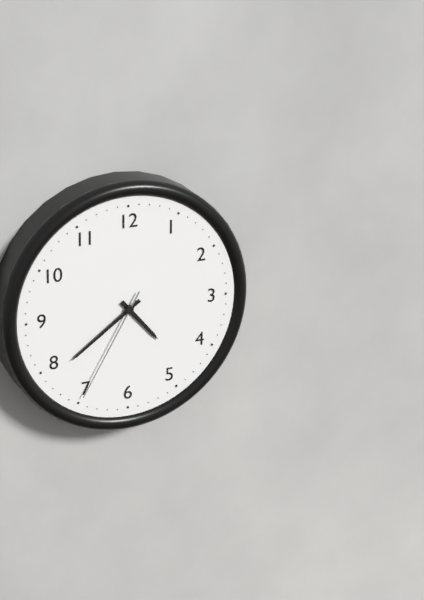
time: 4:39:35
